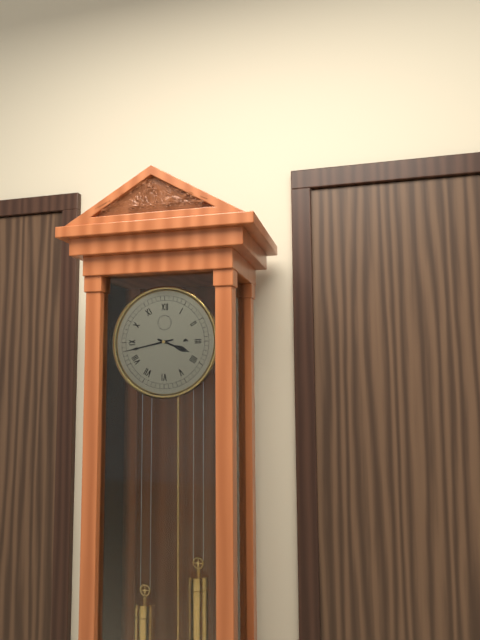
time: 3:43
